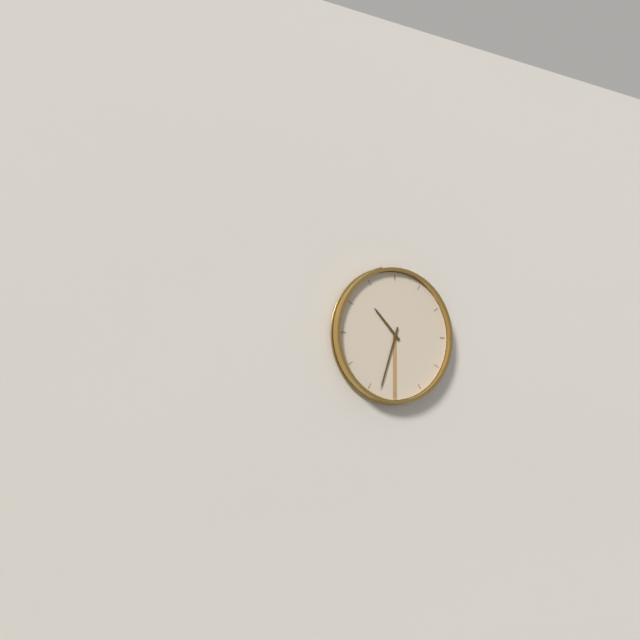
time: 10:33
